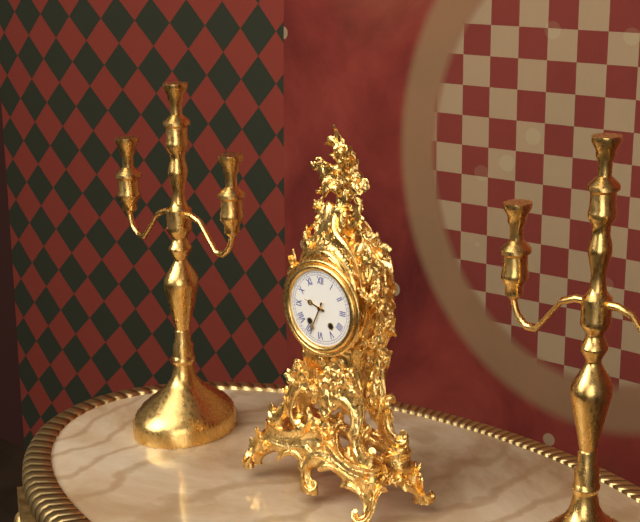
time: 9:34
